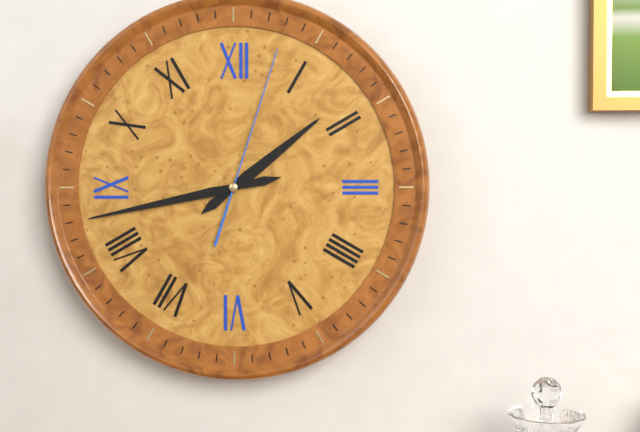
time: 1:43:03
